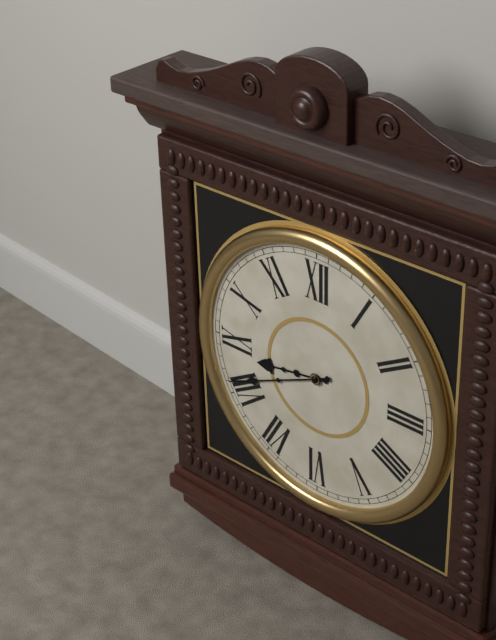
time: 8:41
